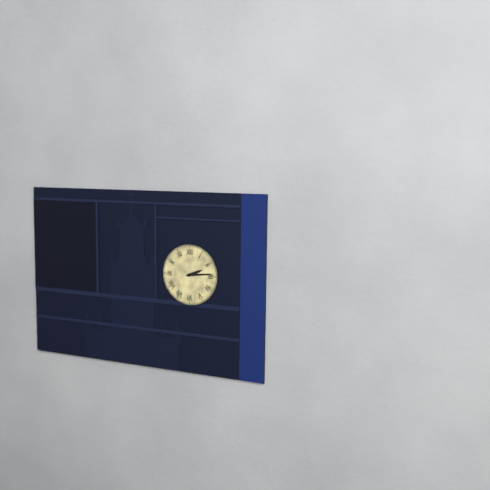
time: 2:14
